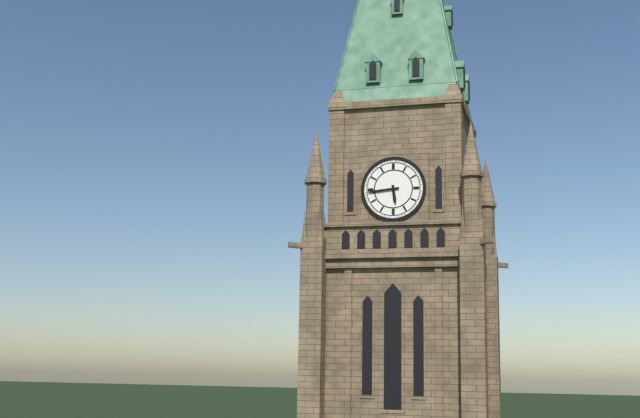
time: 5:44
